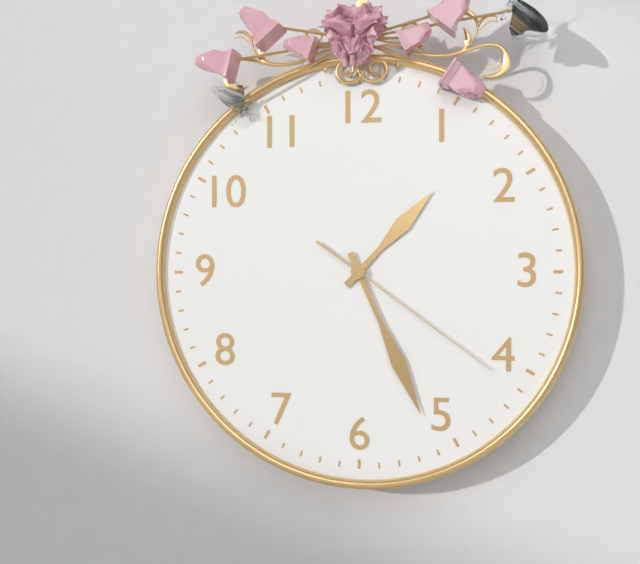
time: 1:26:21
